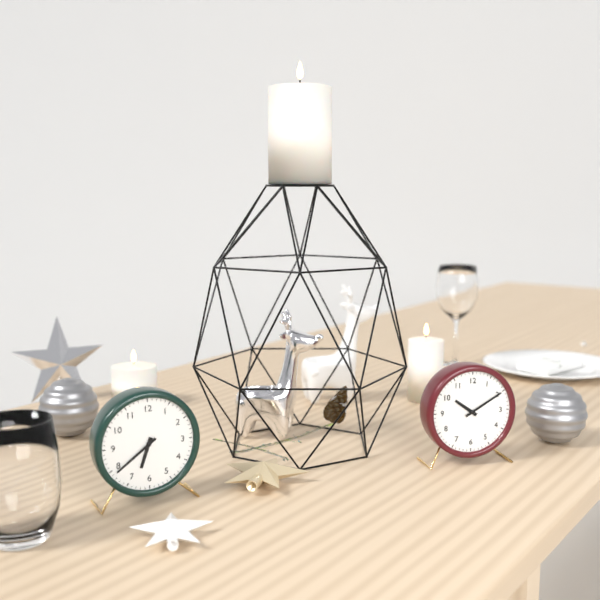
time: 6:39
